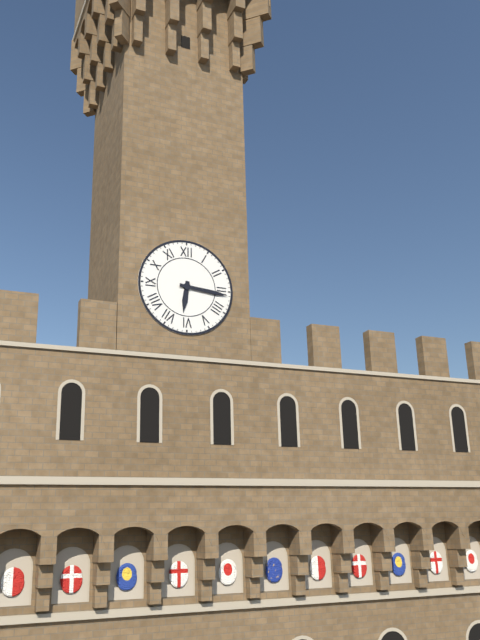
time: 6:16
